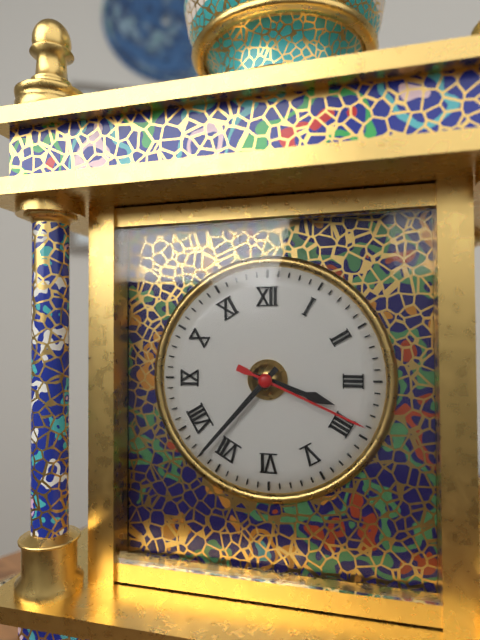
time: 3:37:19
